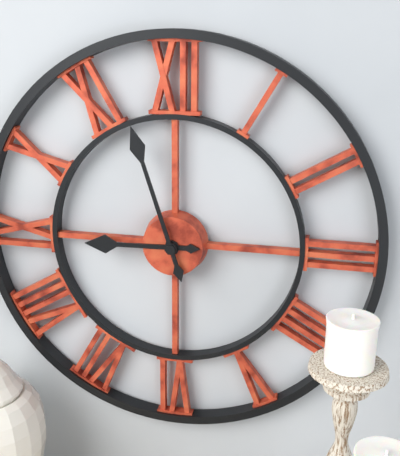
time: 8:57
